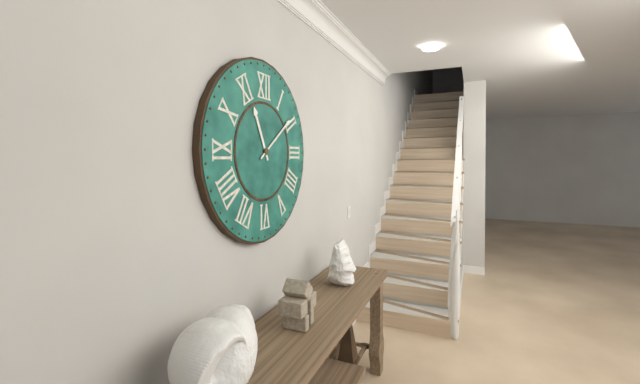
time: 11:09
